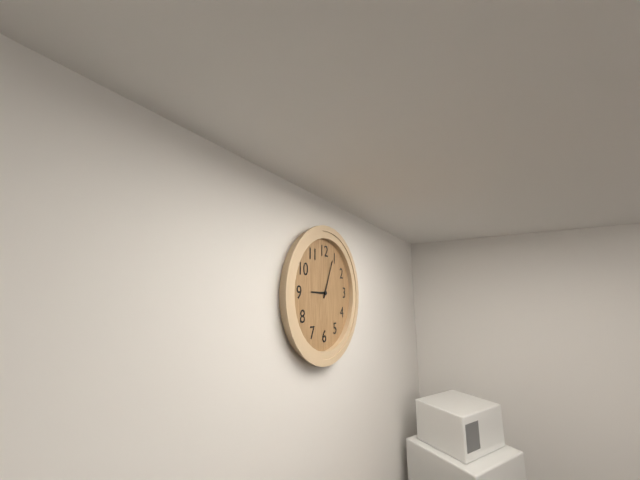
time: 9:04
